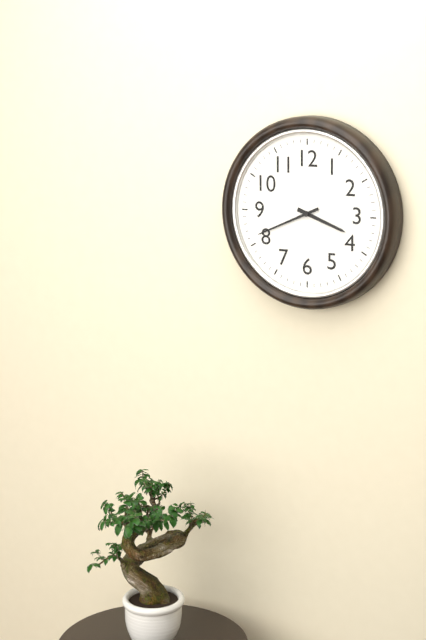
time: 3:41
